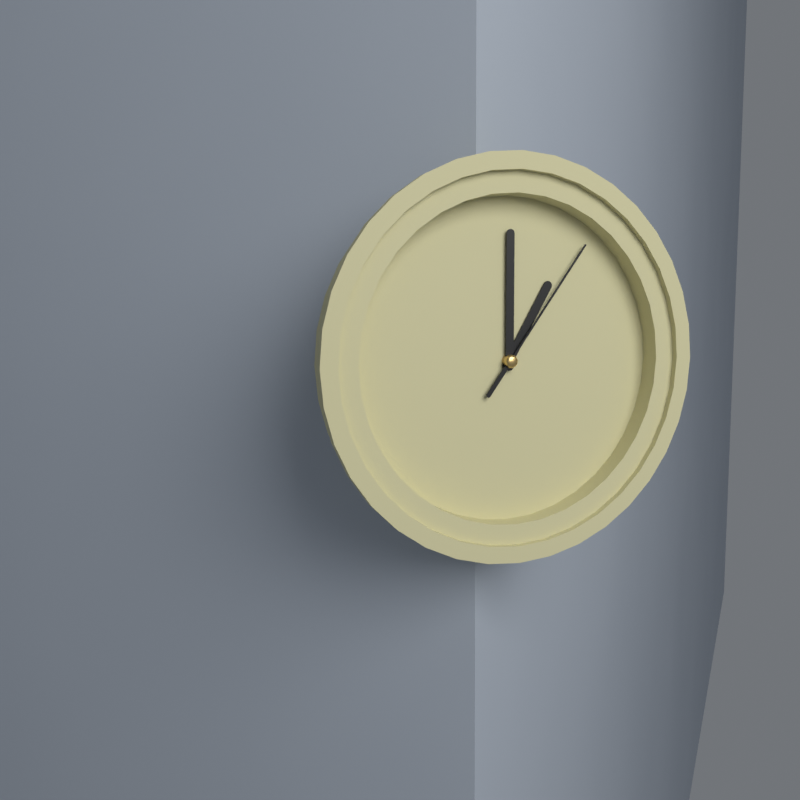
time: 1:00:06
